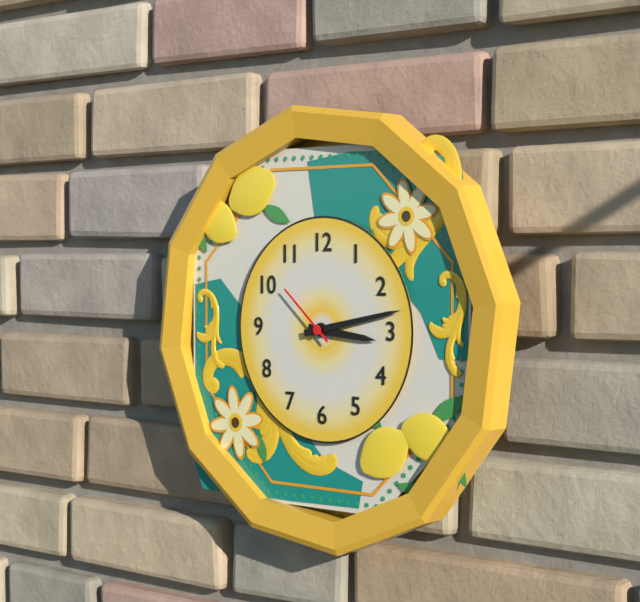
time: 3:13:52
